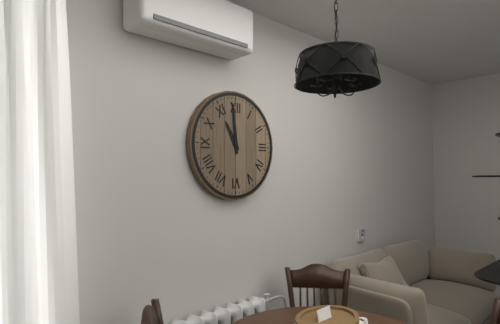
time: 10:59
